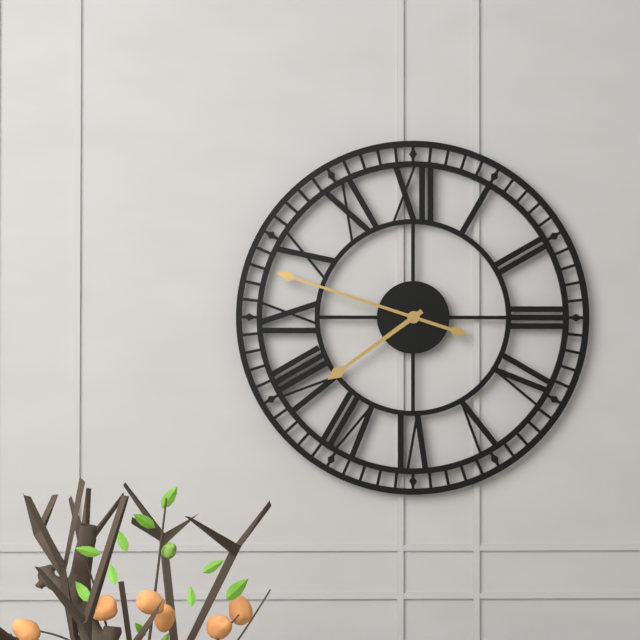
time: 7:48
